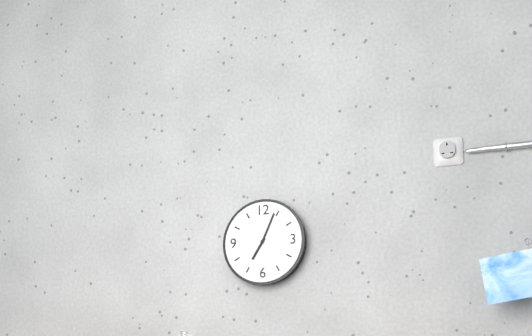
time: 7:04
